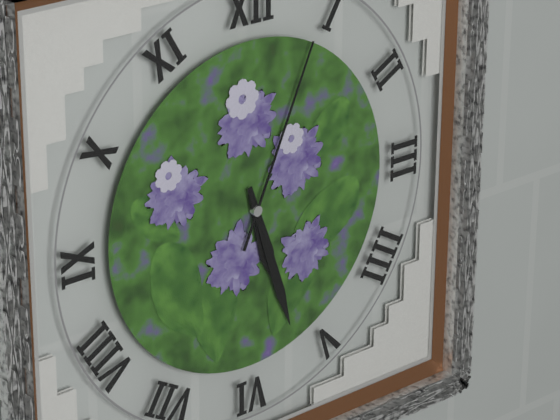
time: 5:27:04
